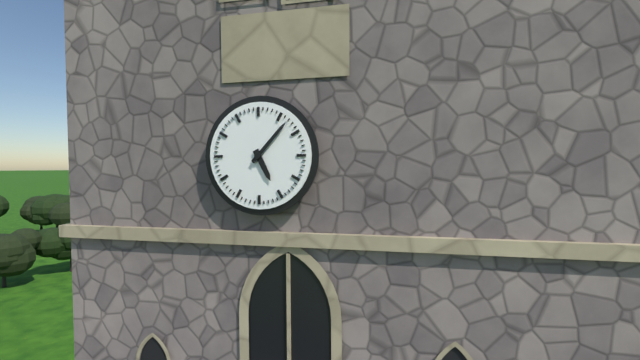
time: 5:07
